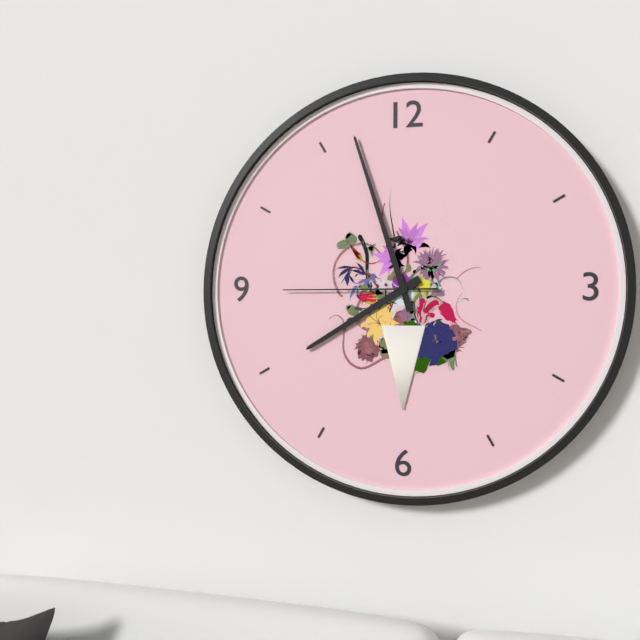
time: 7:57:45
